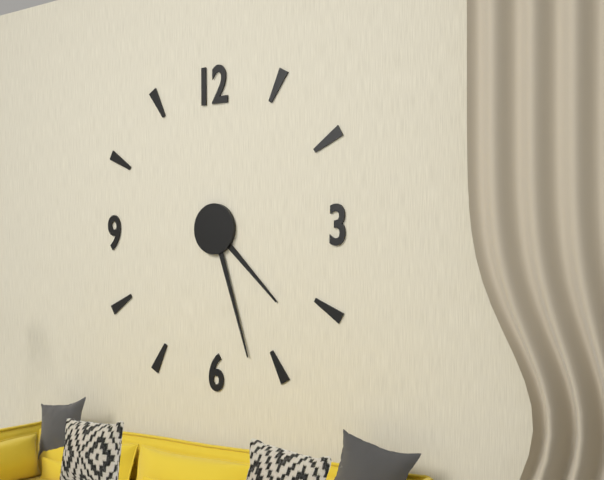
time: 4:27
